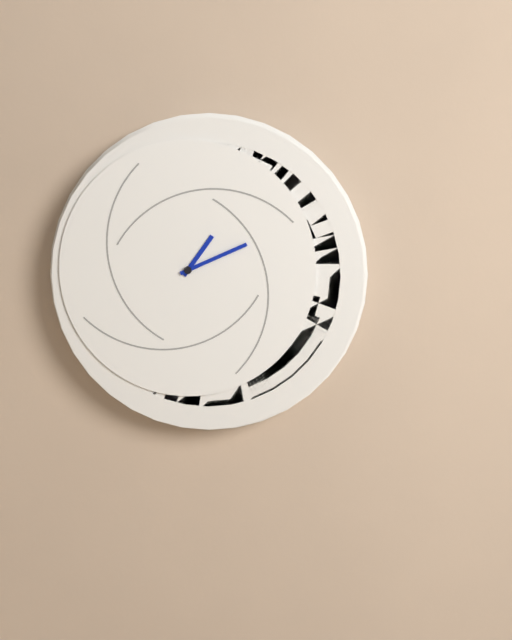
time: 1:11
